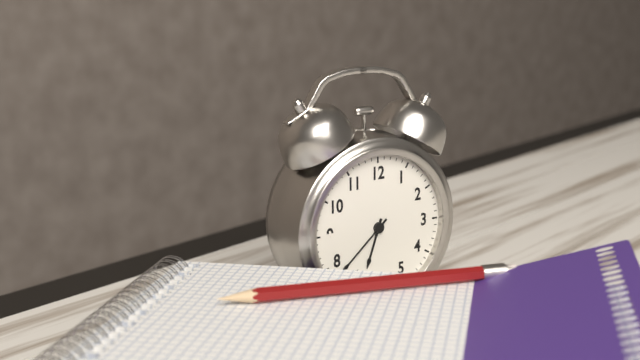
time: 6:38
